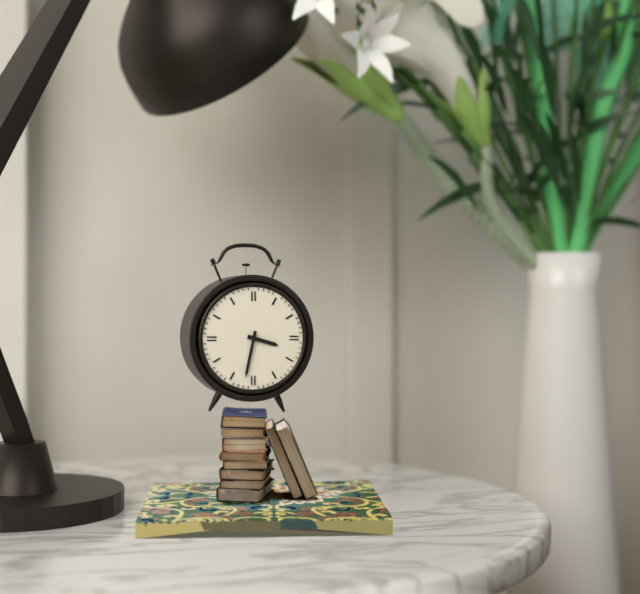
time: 3:32
